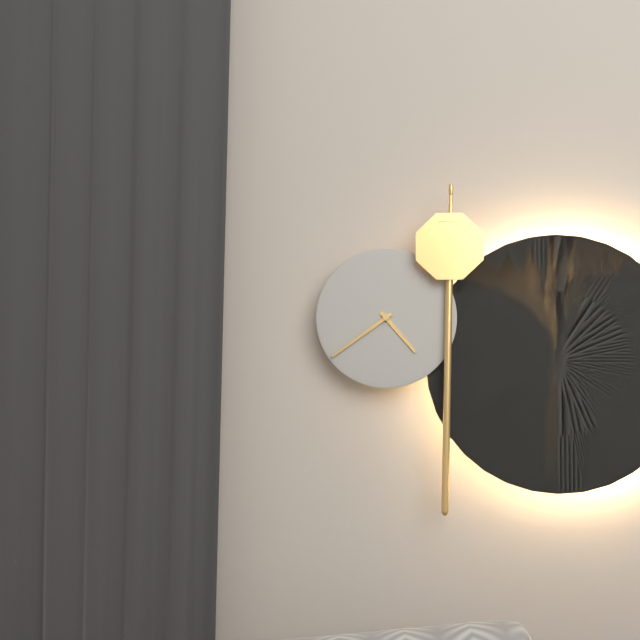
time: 4:39
